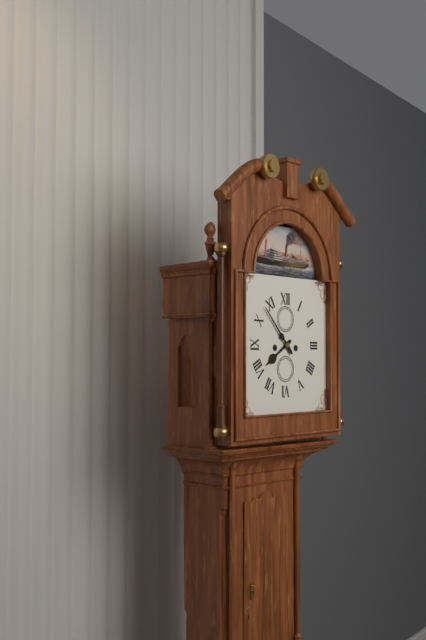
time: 7:53
